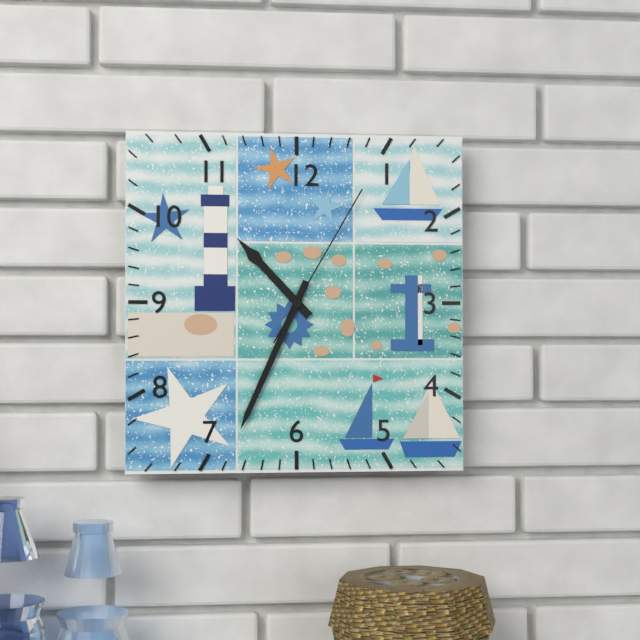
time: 10:34:05
